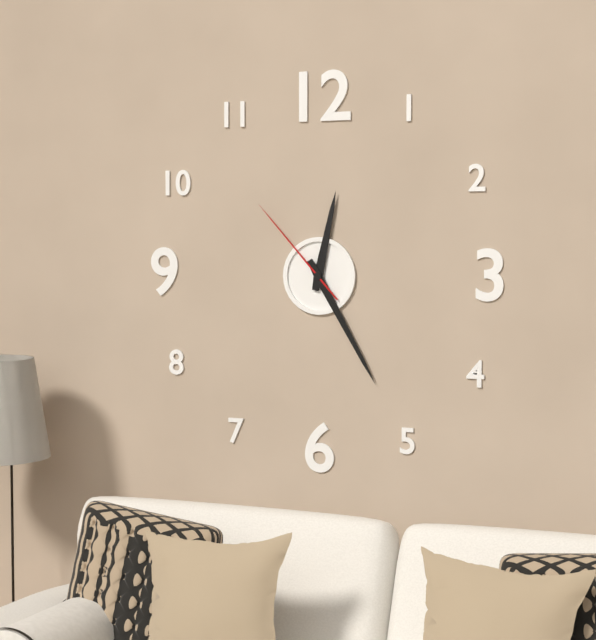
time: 12:25:53
